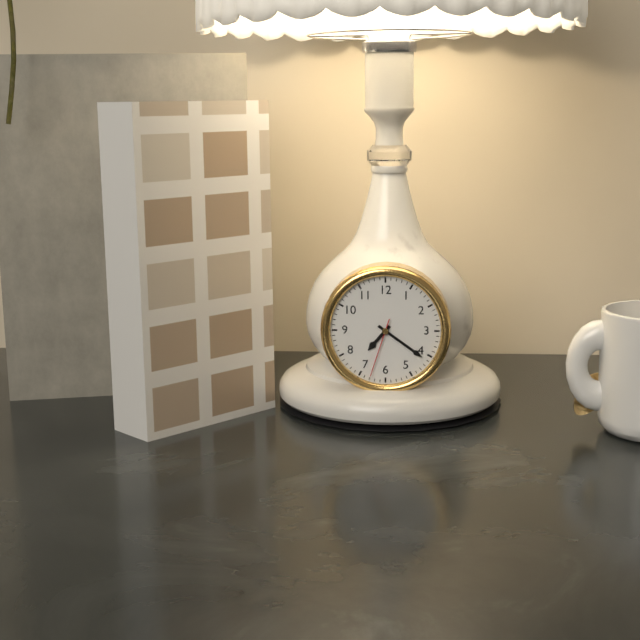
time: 7:21:33
